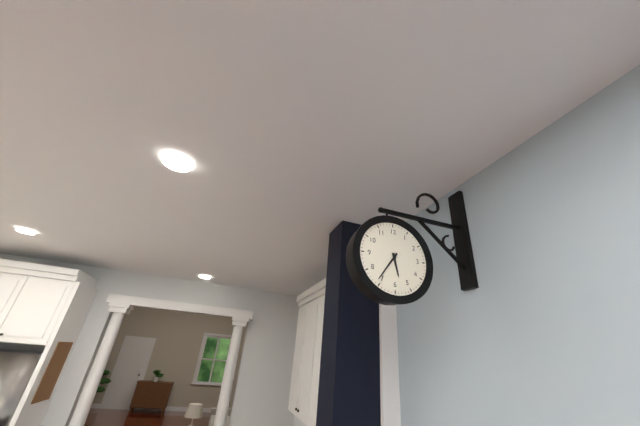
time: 5:36
